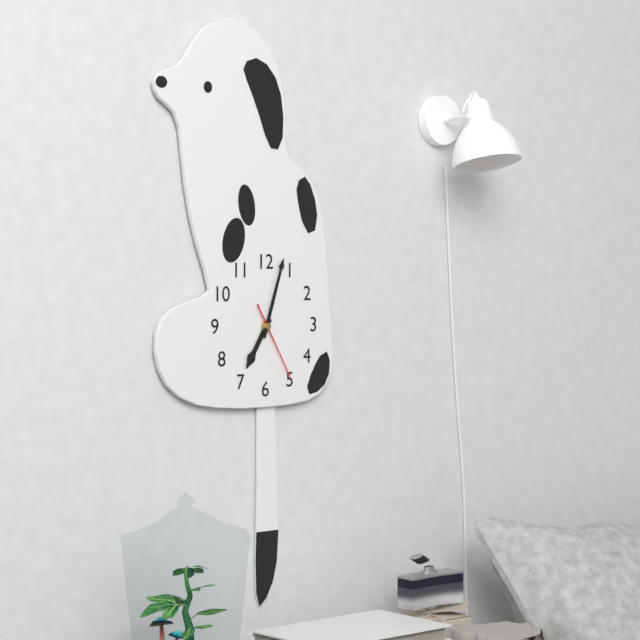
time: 7:03:25
